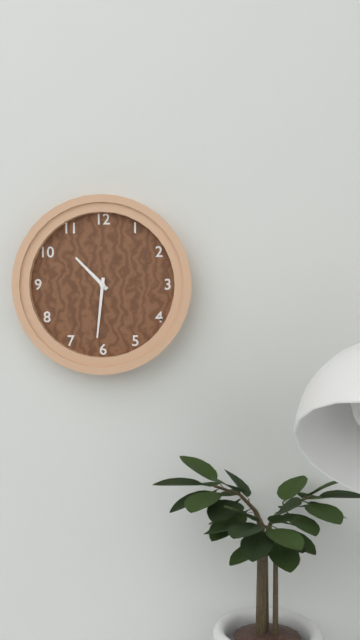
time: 10:31
